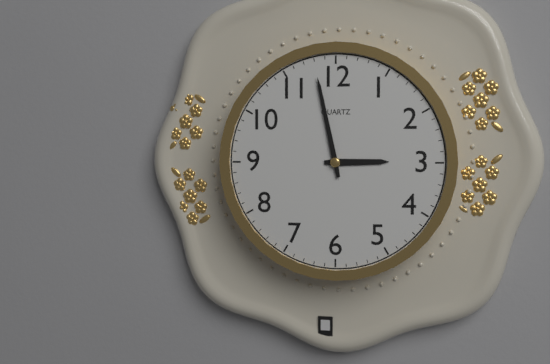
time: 2:58
